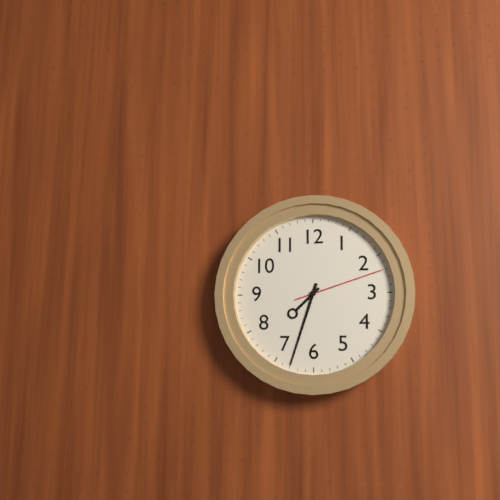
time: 7:33:12
